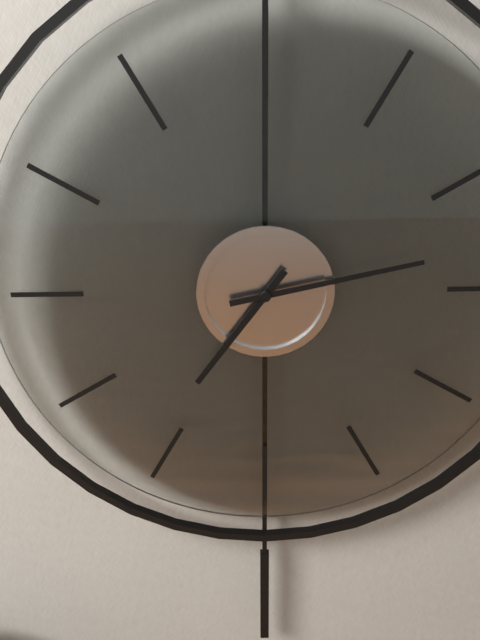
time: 7:13
